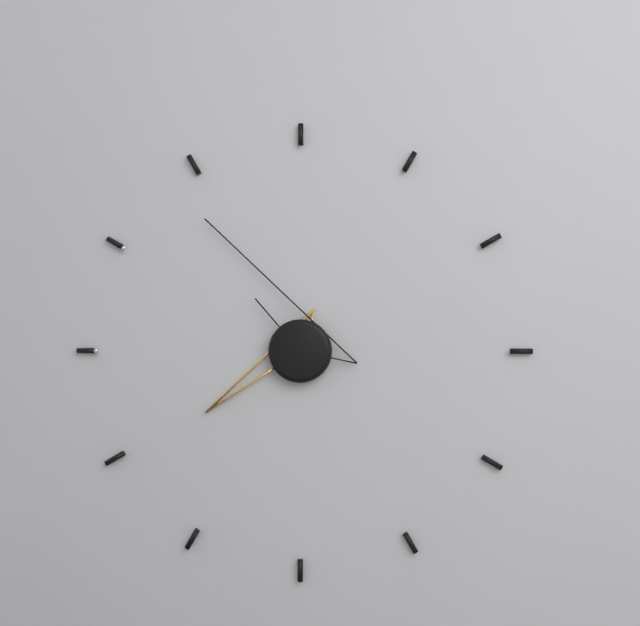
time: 7:54
